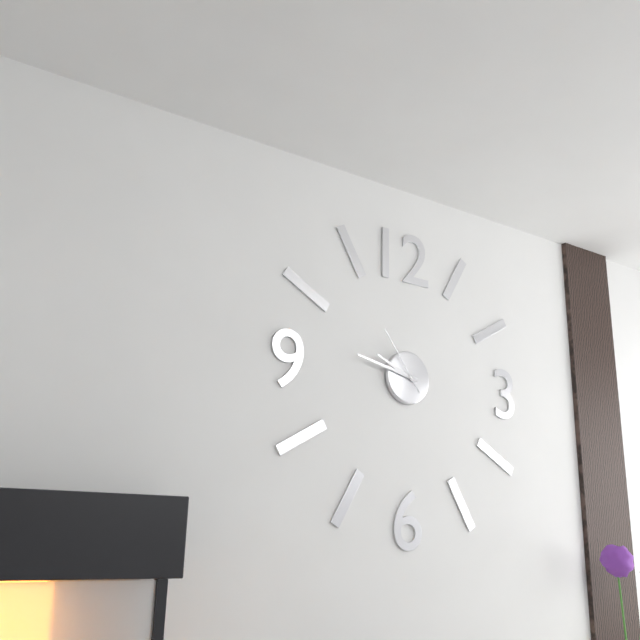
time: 9:47:54
